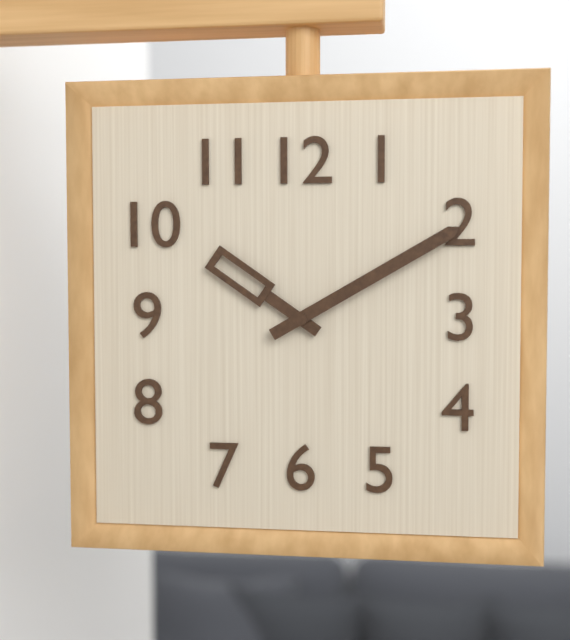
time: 10:10
